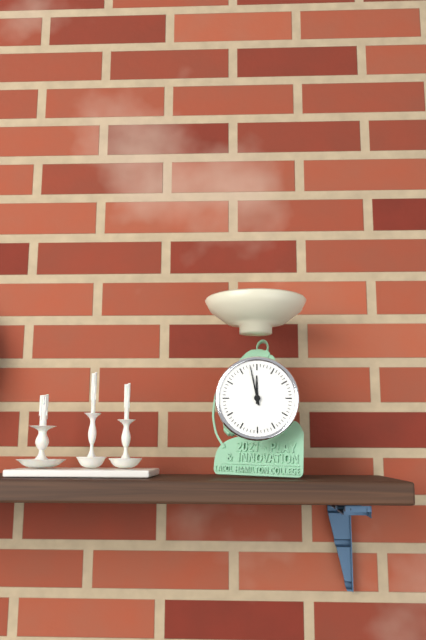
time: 11:58
